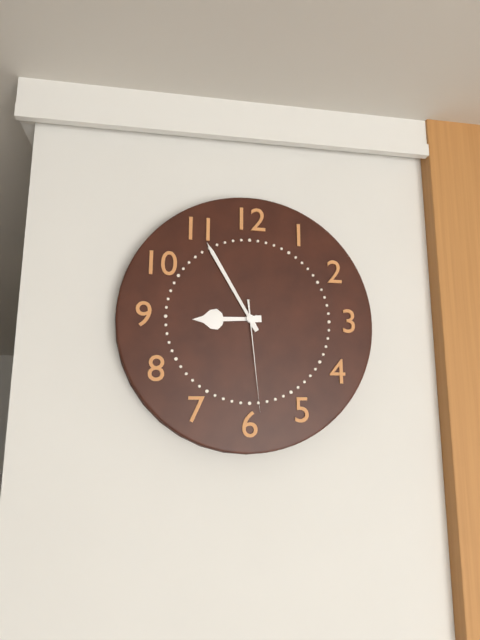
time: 8:55:29
